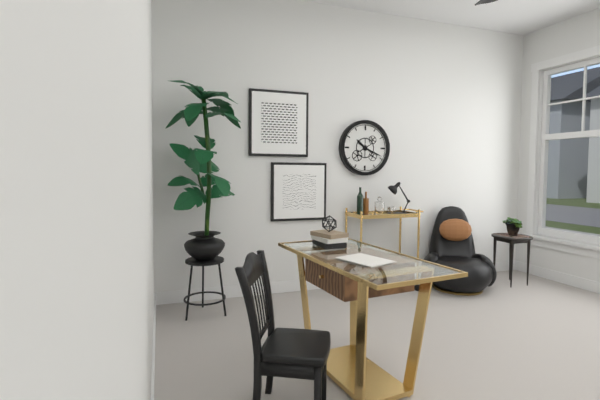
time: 10:19
